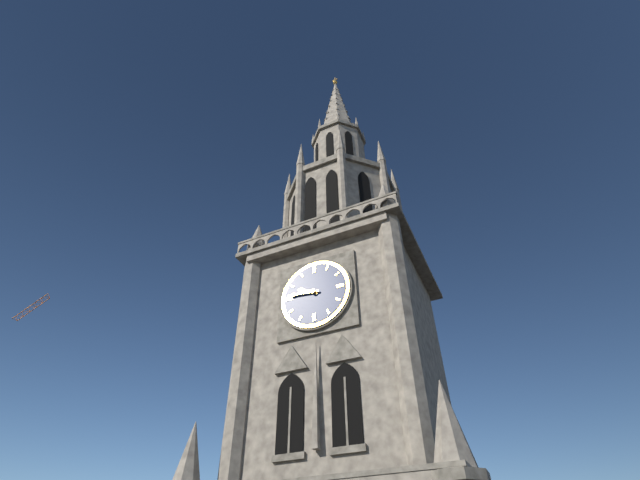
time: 9:46
